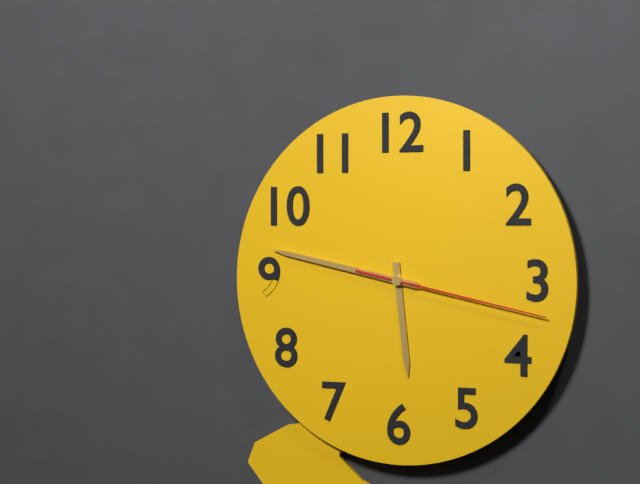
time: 5:47:17
